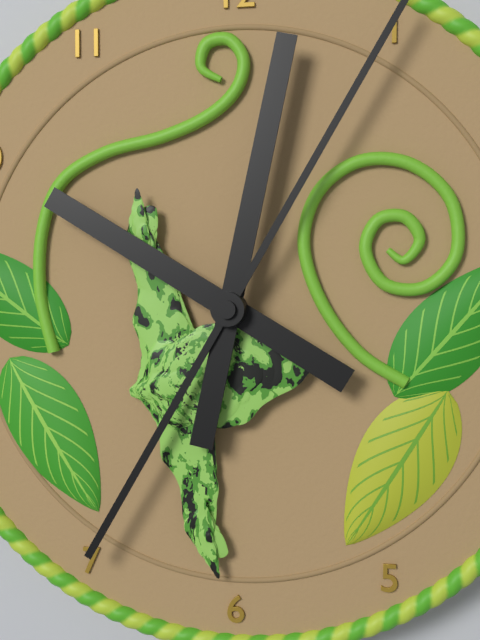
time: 10:02
